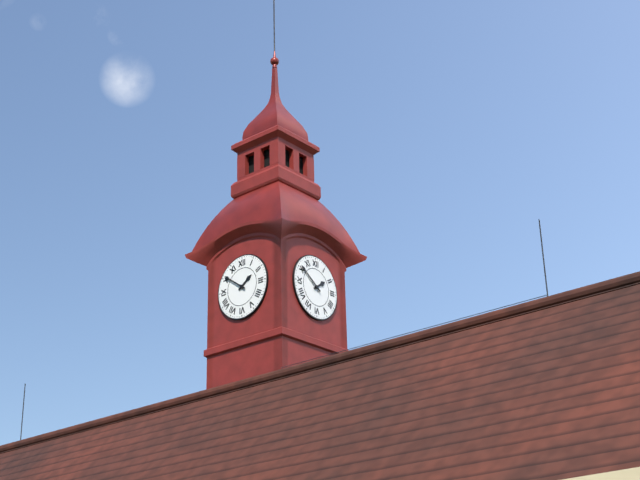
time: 1:51
